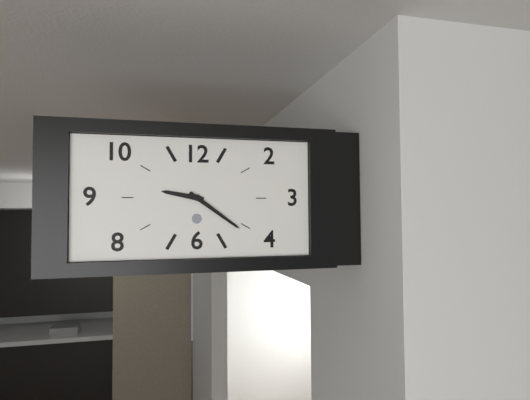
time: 9:21
